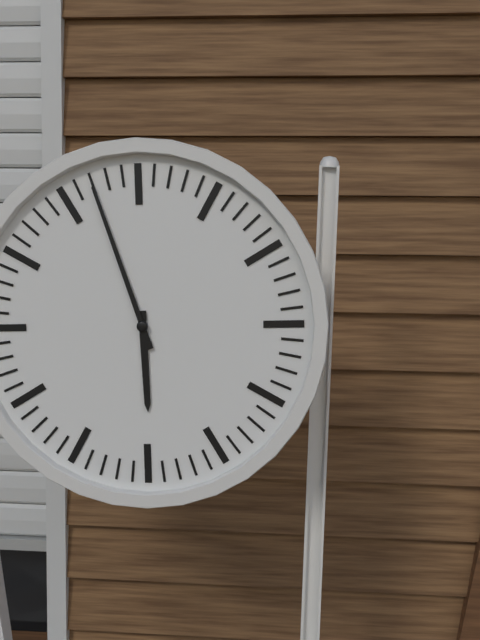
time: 5:57
